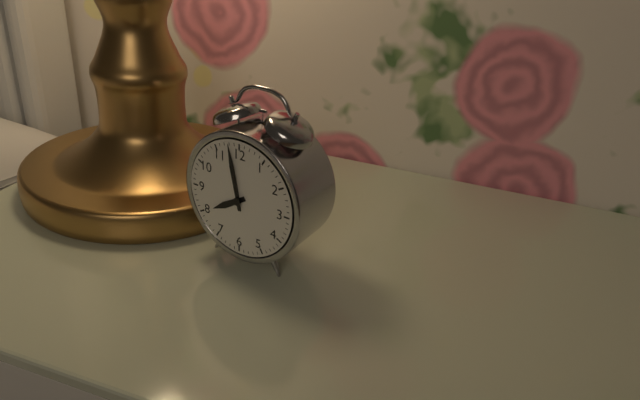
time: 7:58
